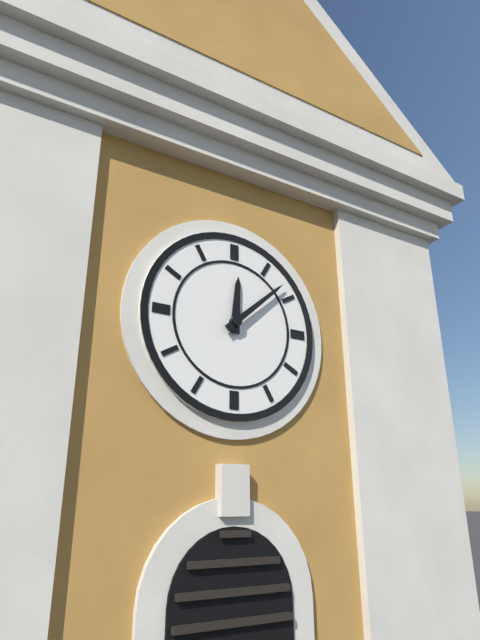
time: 12:08
